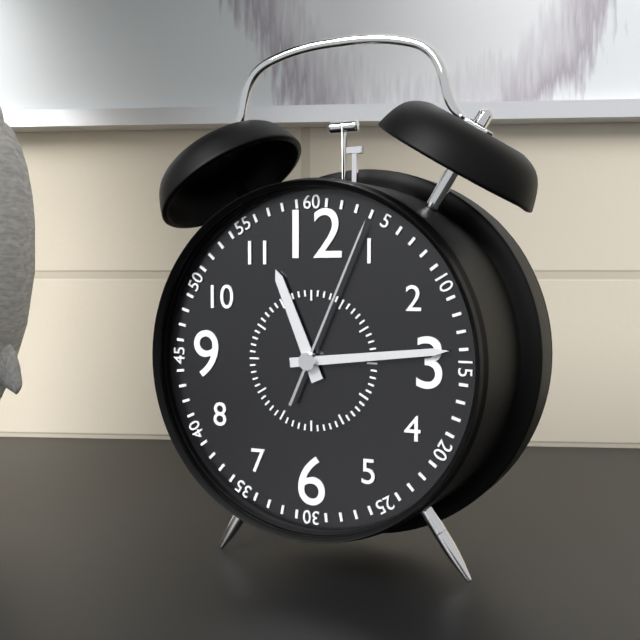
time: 11:14:04
